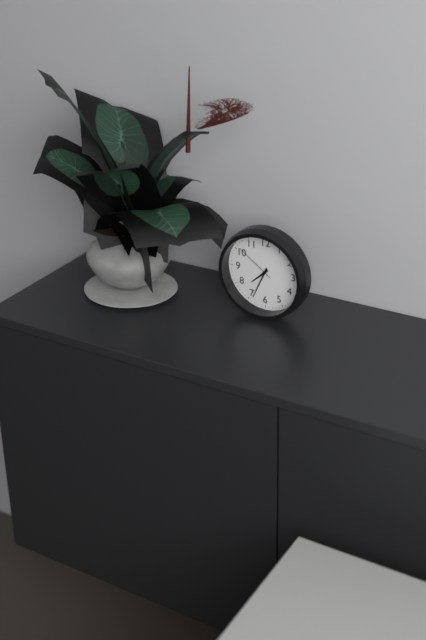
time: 7:34
